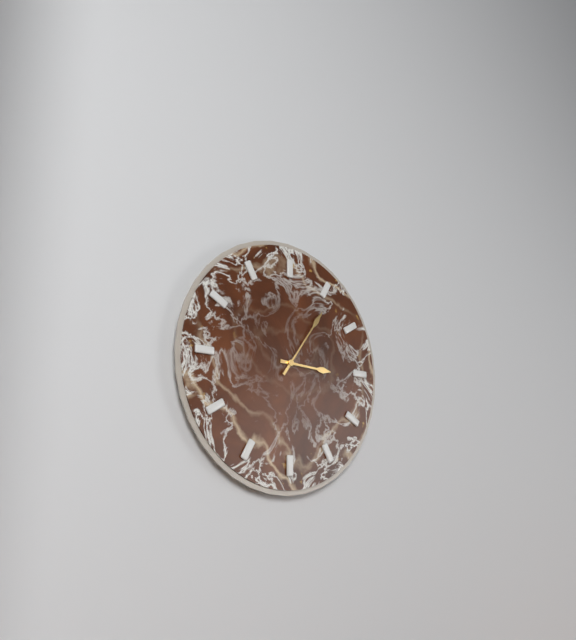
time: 3:06
